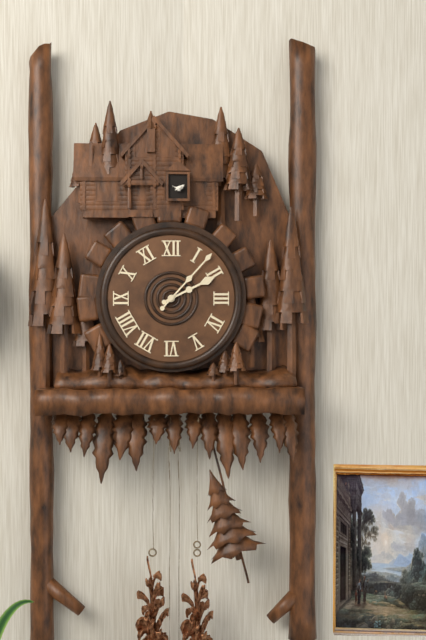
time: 2:07
